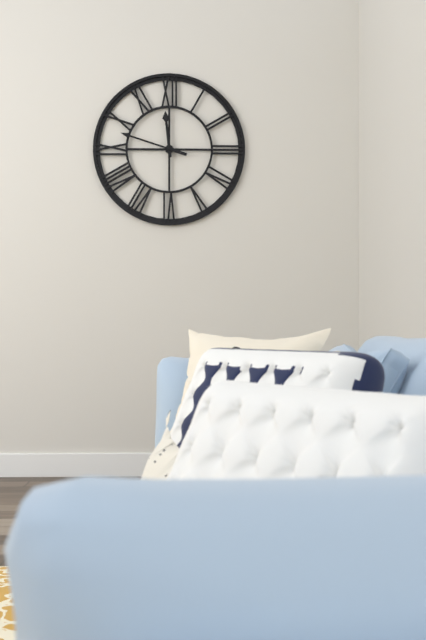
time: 11:48
